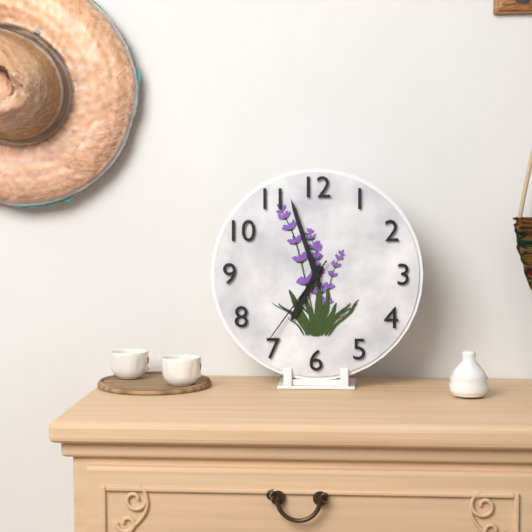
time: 6:57:36
